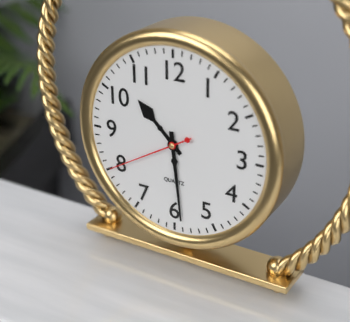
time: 10:29:40
